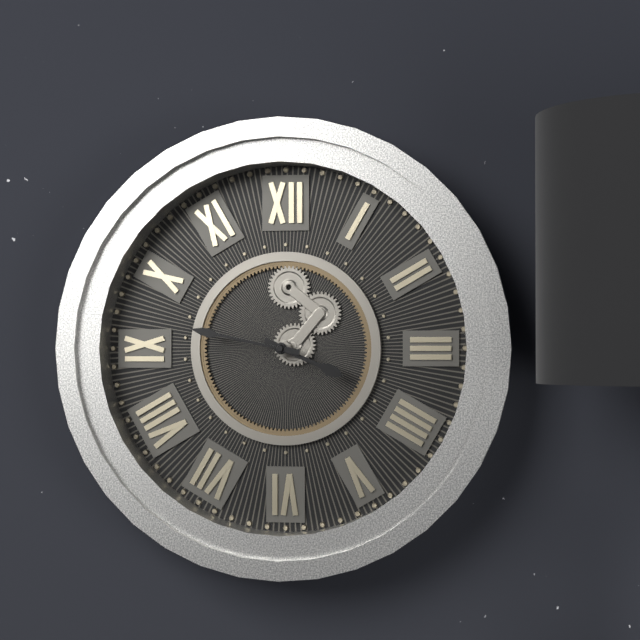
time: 3:47
